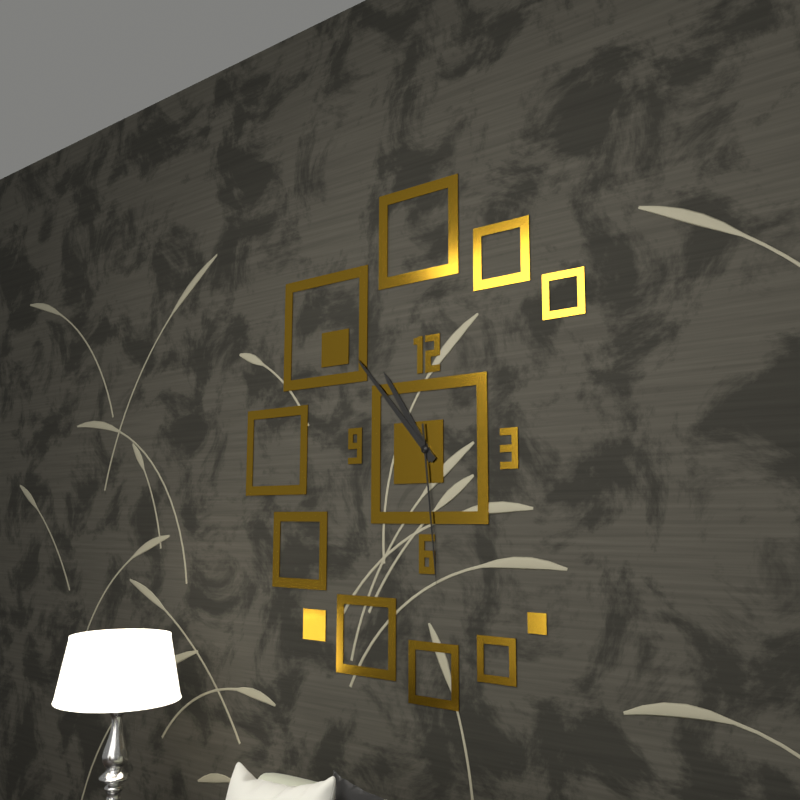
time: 10:53:29
